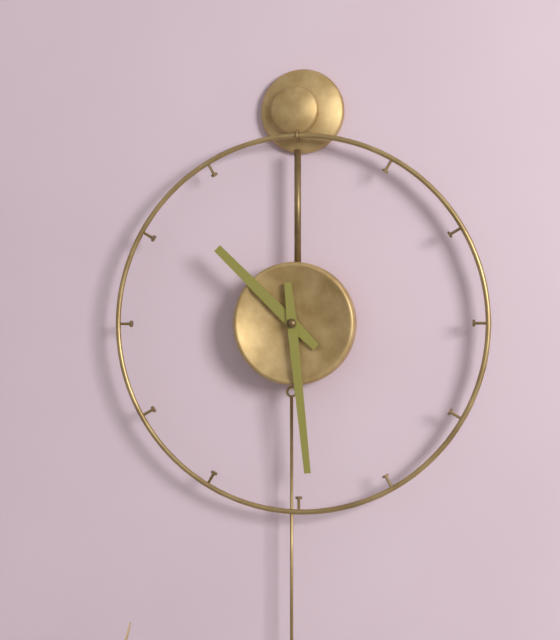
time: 10:29
